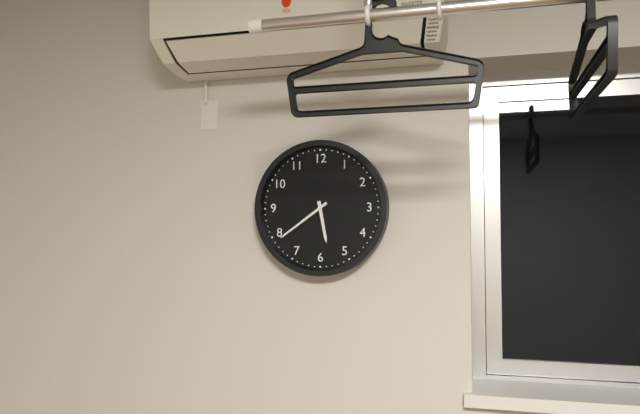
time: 5:39
